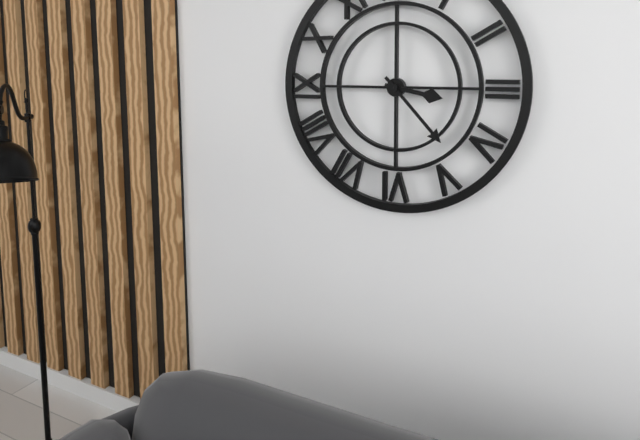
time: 3:23
